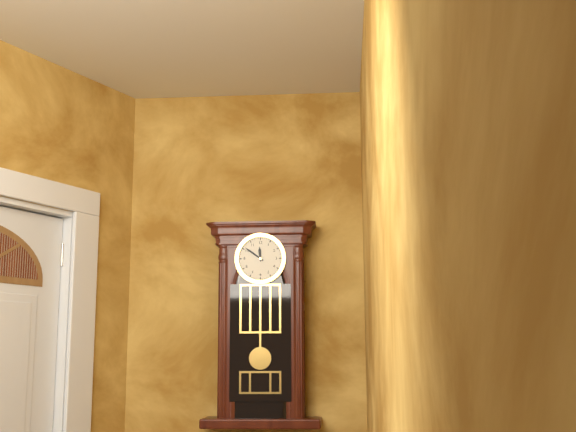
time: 11:51
